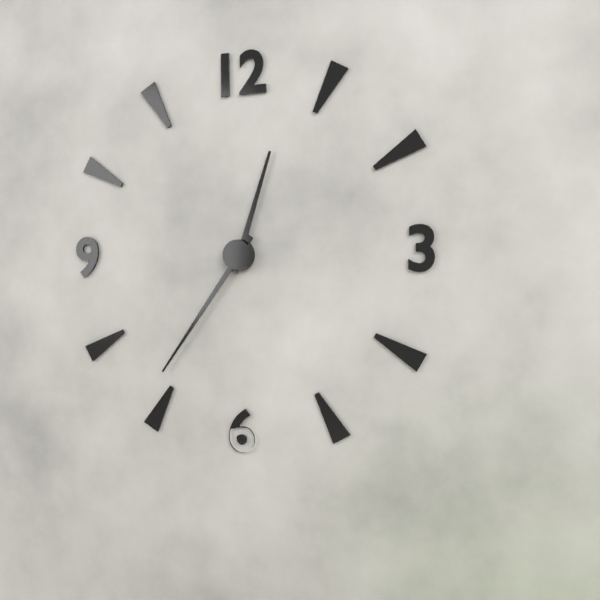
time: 12:36
